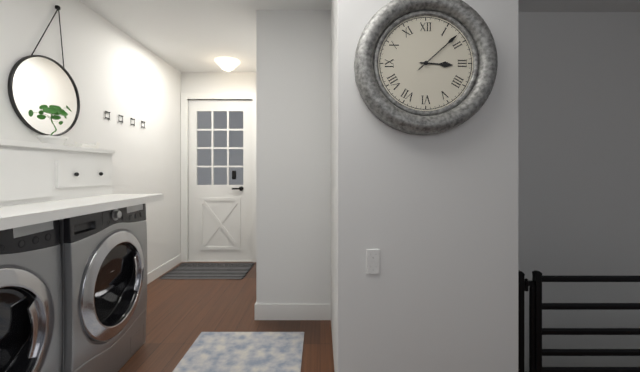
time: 3:08
